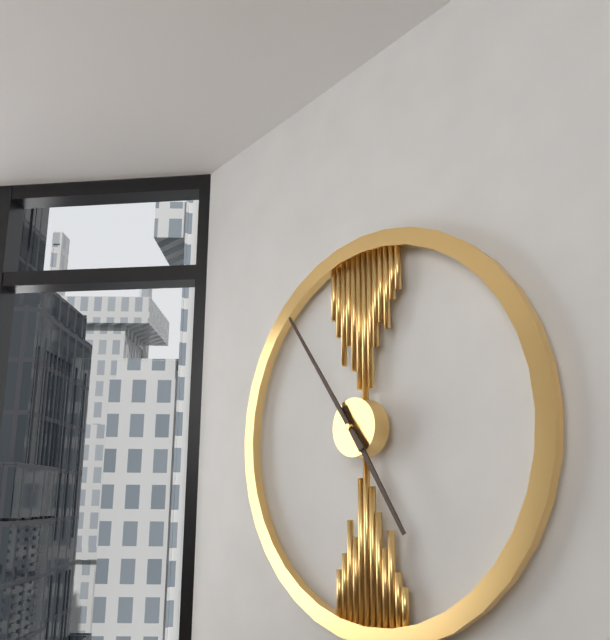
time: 4:54
